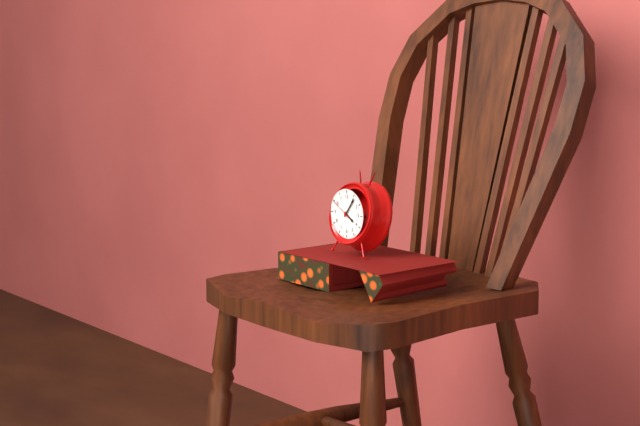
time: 4:06
